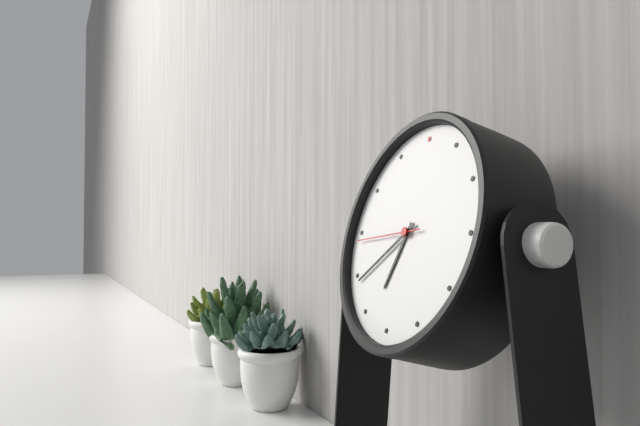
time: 6:39:44
